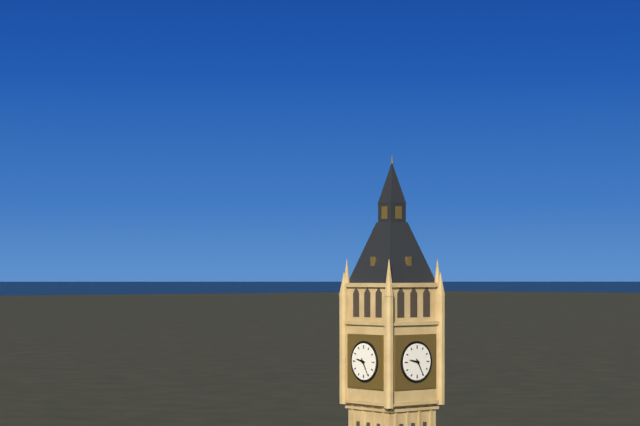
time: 9:25
